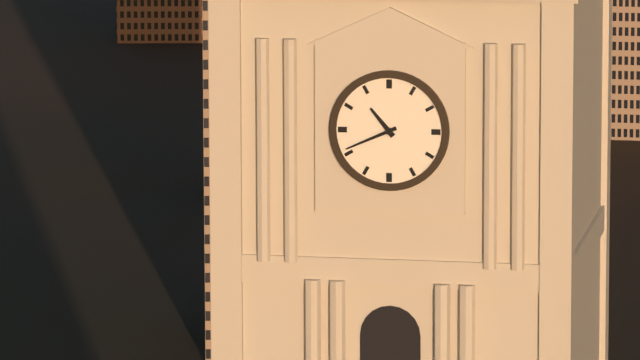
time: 10:41
